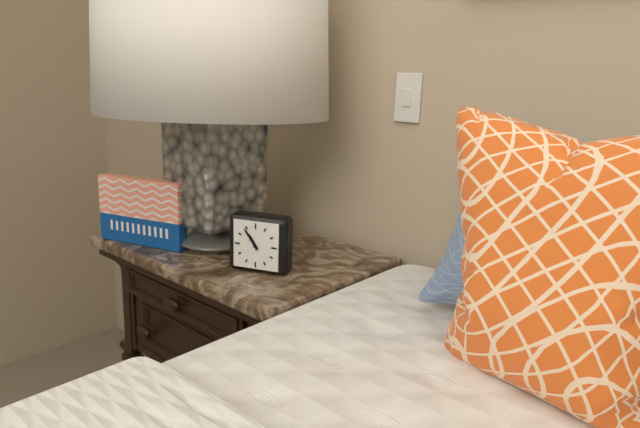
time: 10:54
